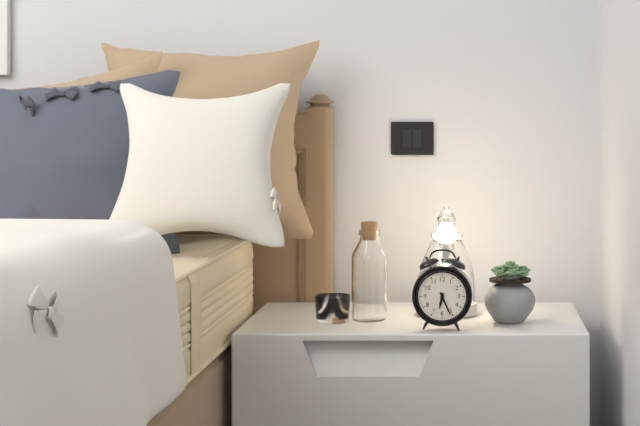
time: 6:26
